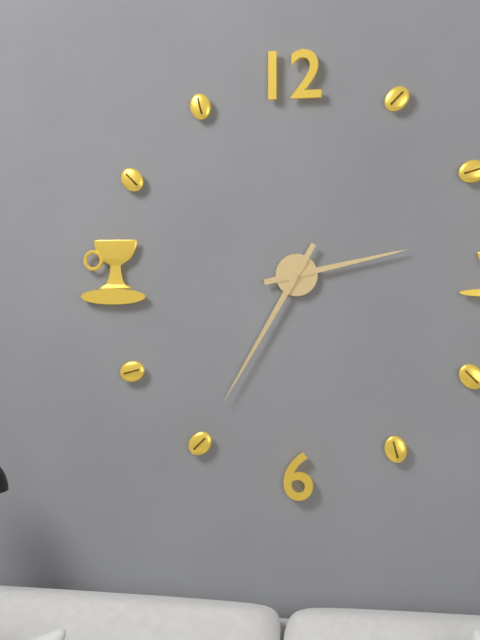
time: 2:35
